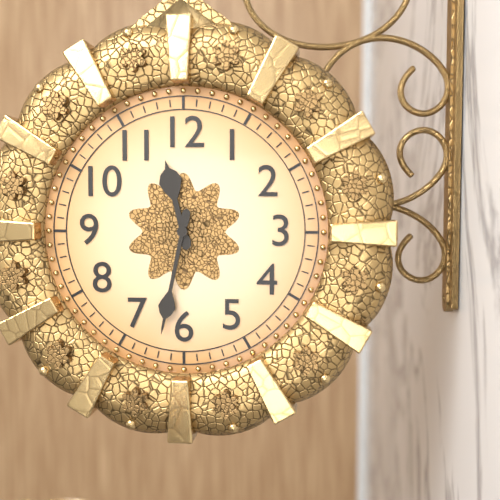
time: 11:32
